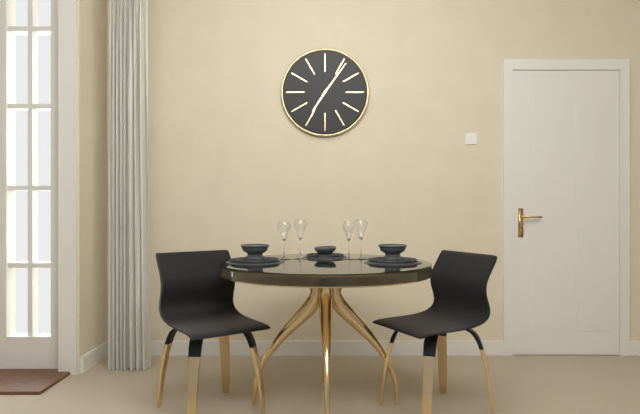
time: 7:06
